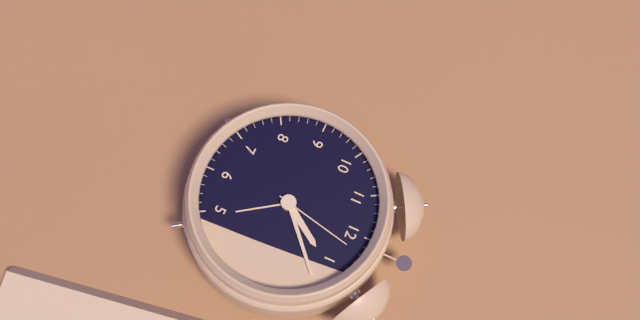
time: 1:08:02
